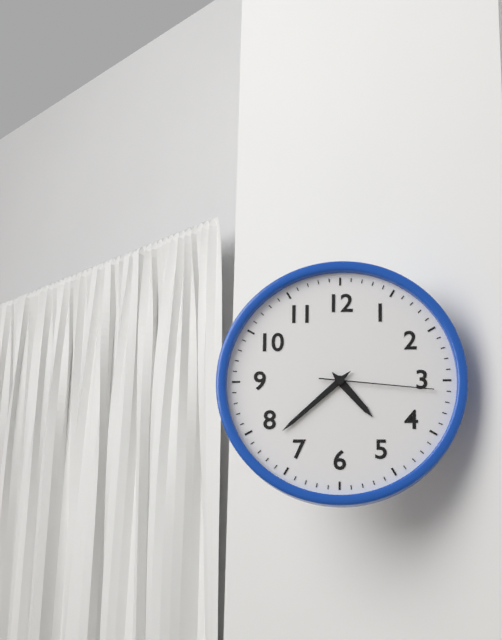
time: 4:38:16
